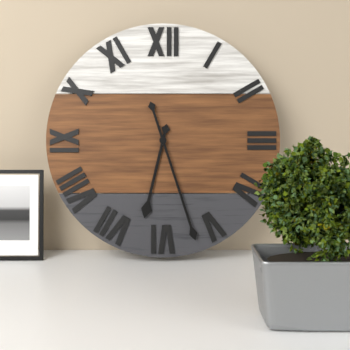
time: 6:27
